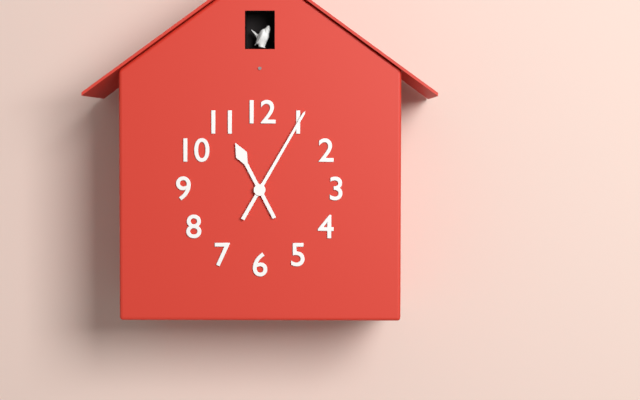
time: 11:05
